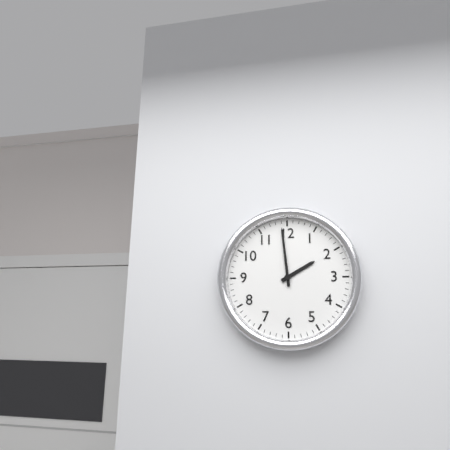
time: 1:59
